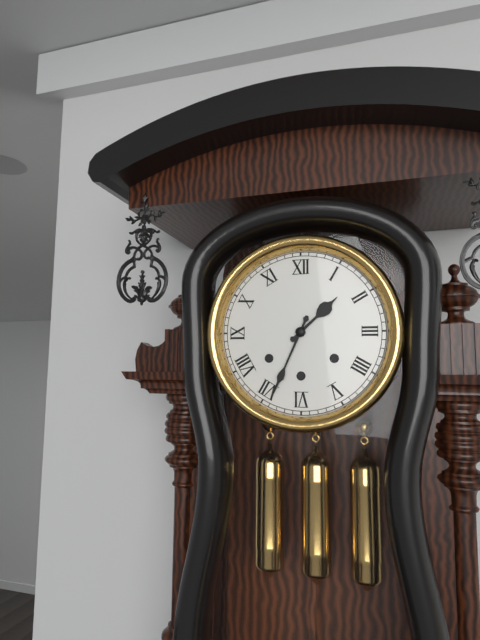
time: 1:34
